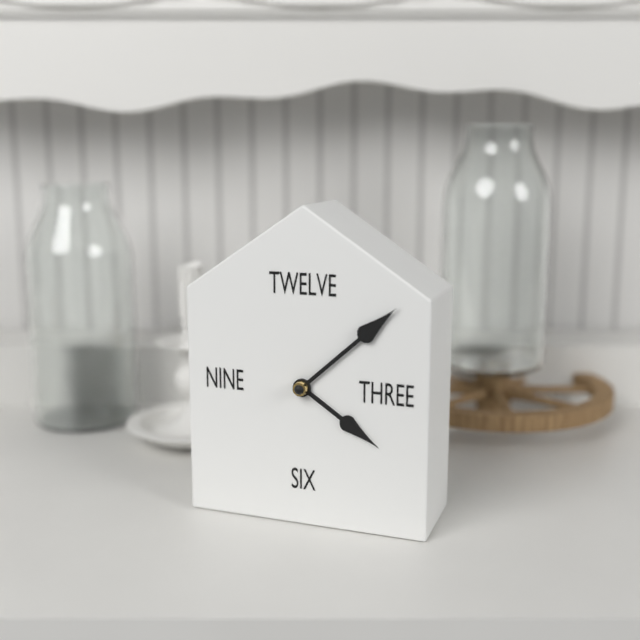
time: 4:08
